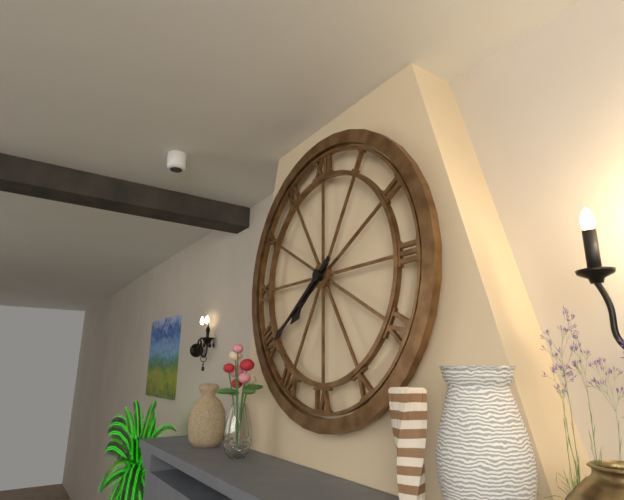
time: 7:39
